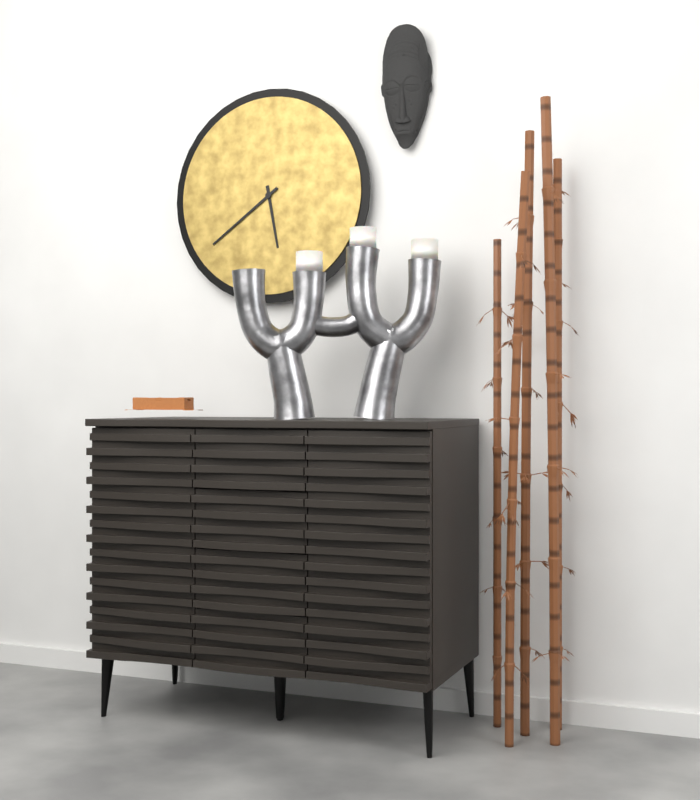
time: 5:39
